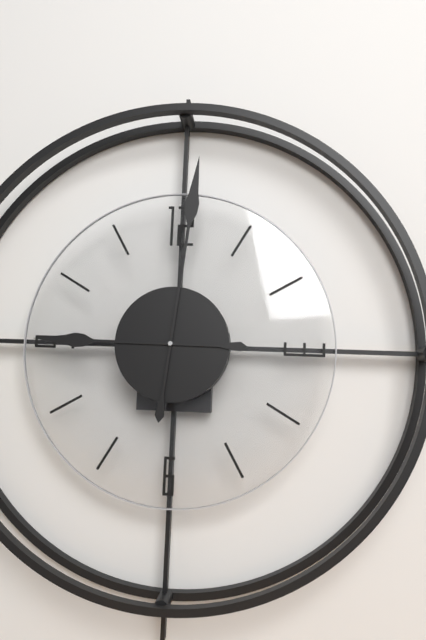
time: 9:01
